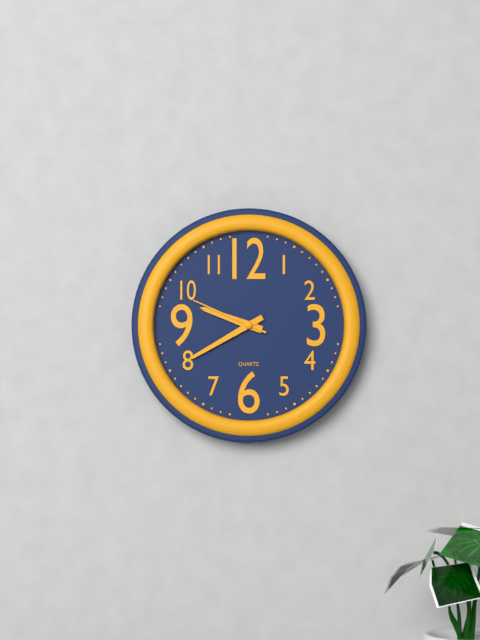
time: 9:40:49
